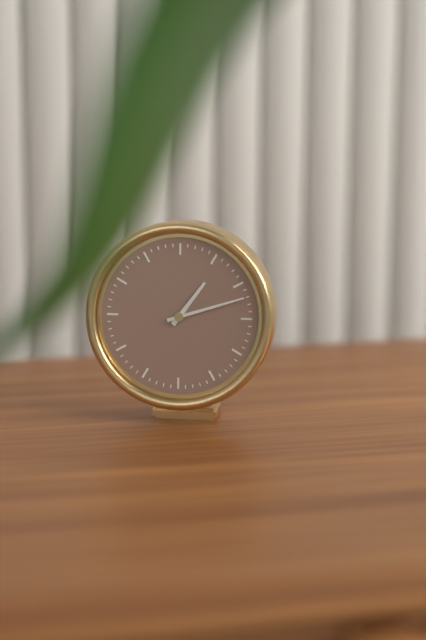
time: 1:12
